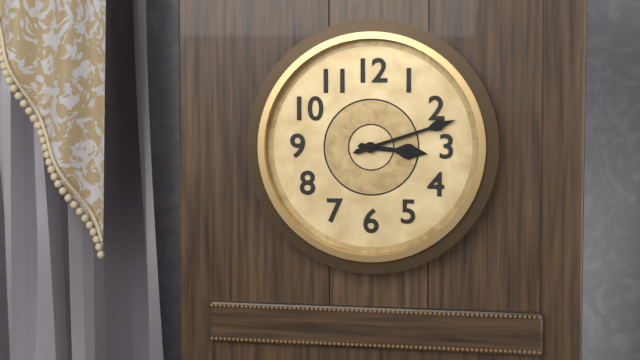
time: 3:12
